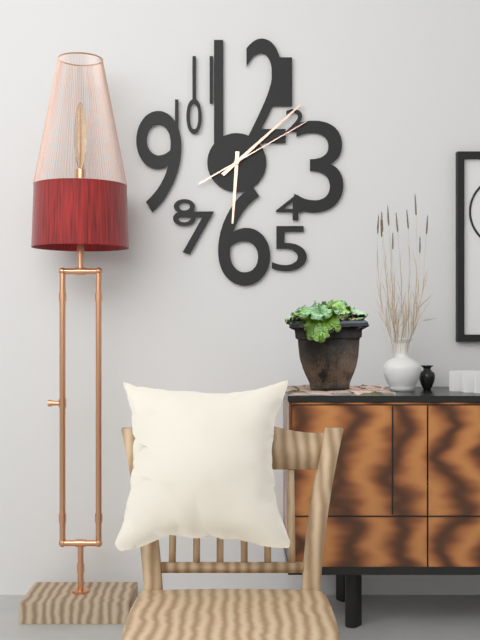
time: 6:08:10
